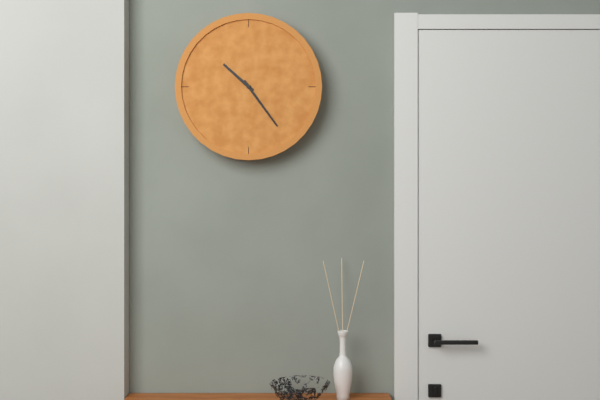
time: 10:24
